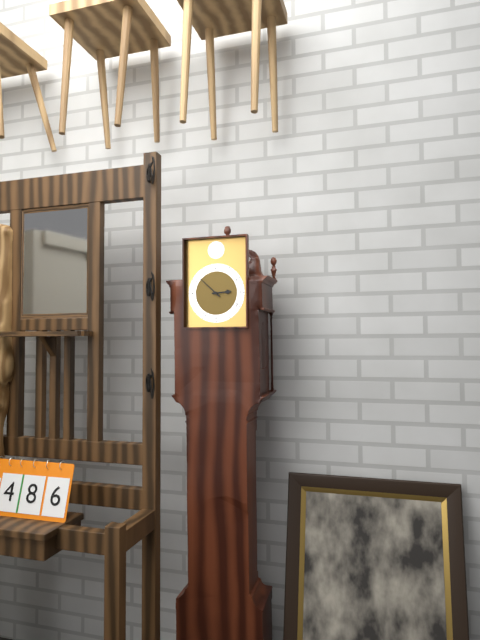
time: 2:52
